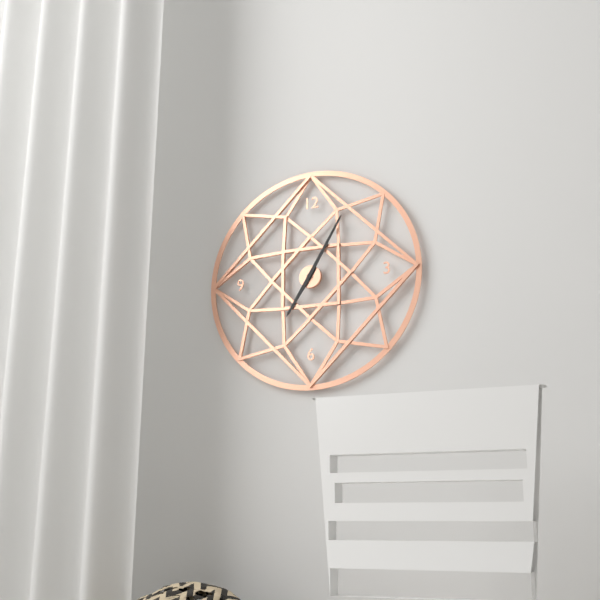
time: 7:05
